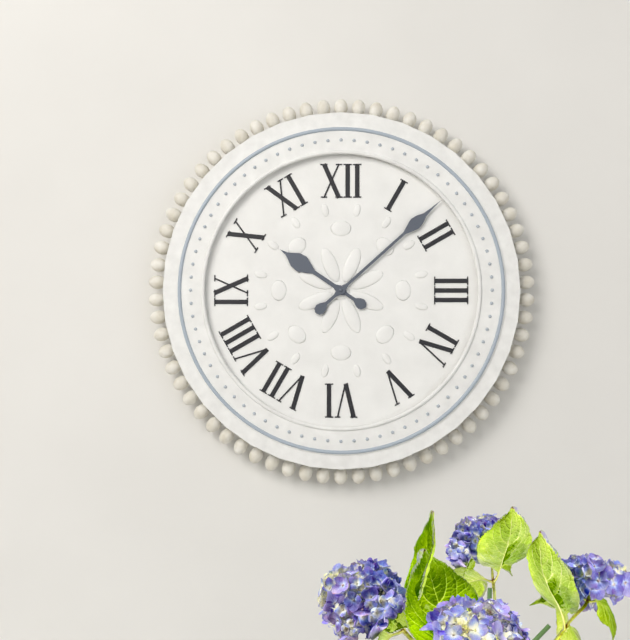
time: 10:08
